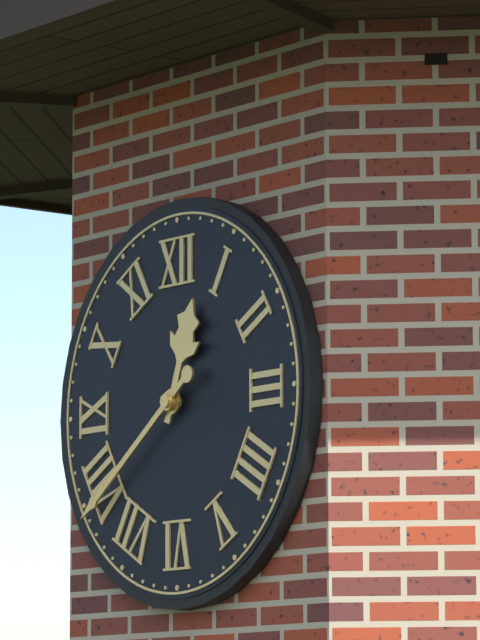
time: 12:39
